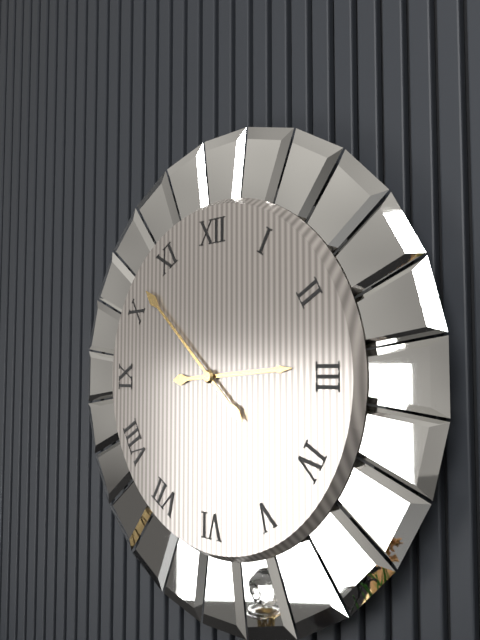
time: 2:52
